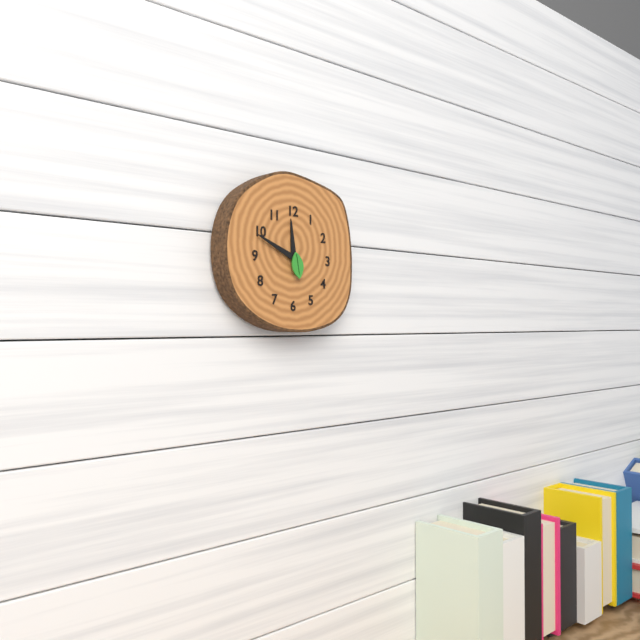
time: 11:49
